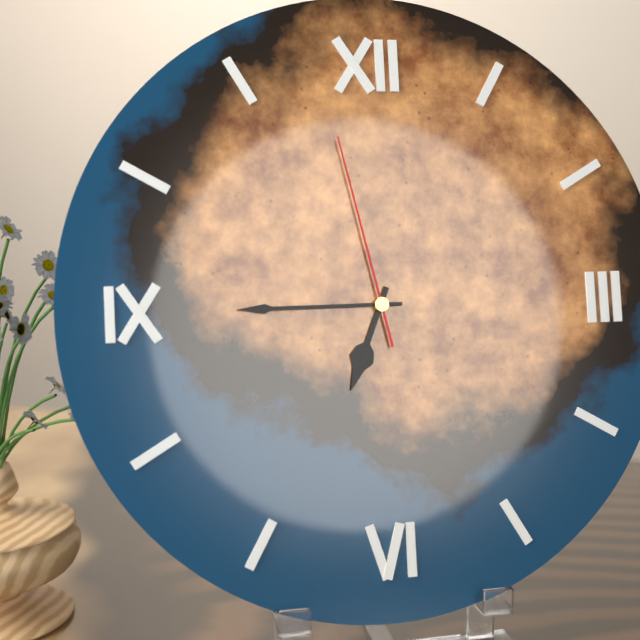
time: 6:45:58
